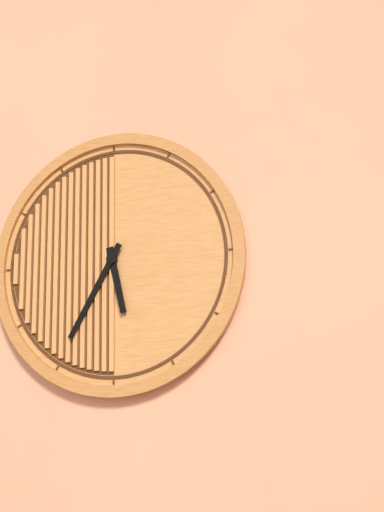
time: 5:35
